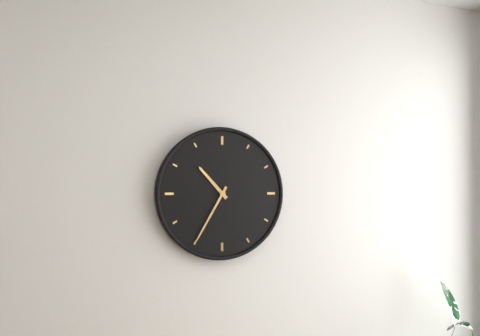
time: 10:35
